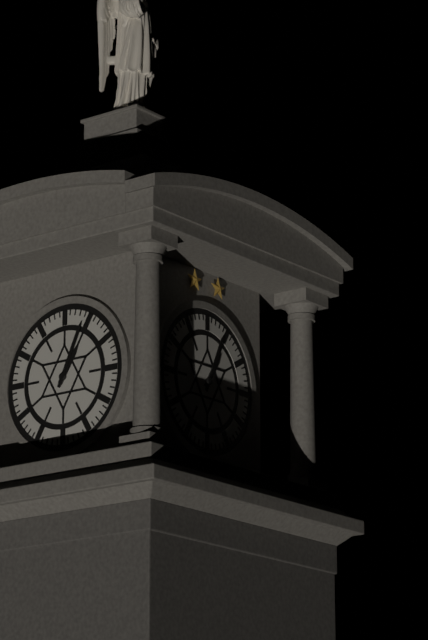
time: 1:04
